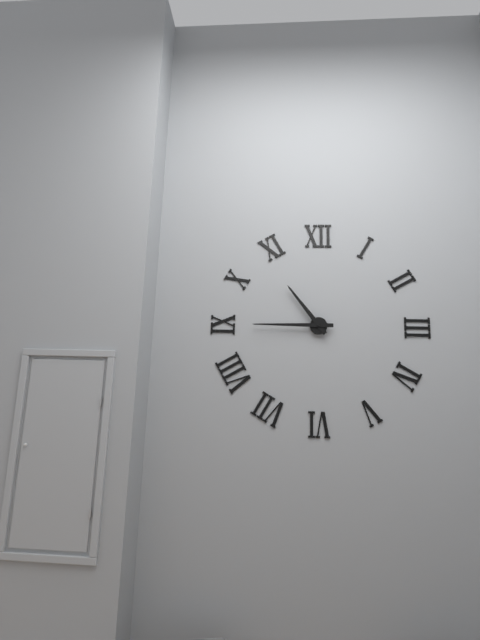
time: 10:45
